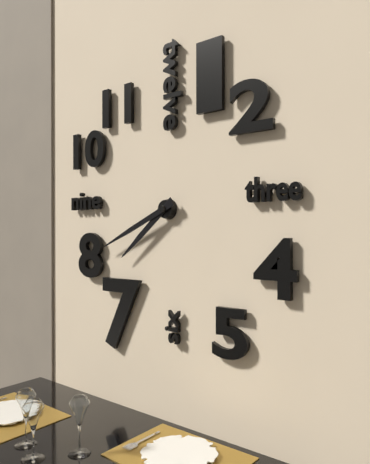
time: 7:41
